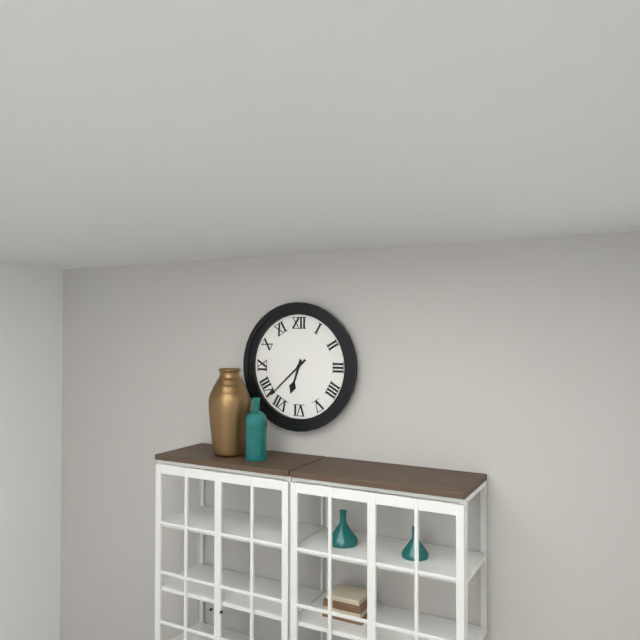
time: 6:38
